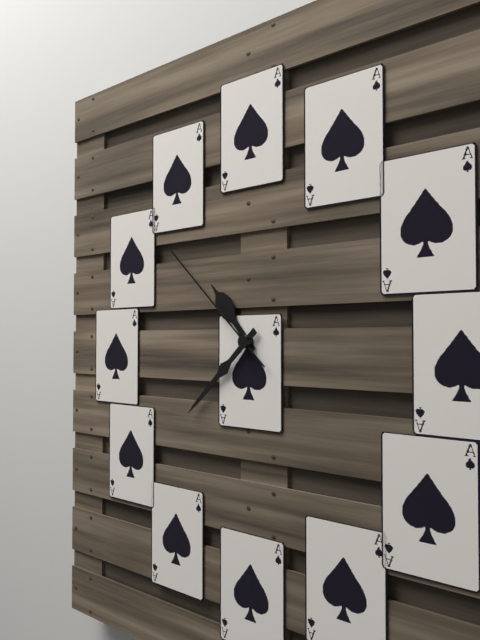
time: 10:38:52
